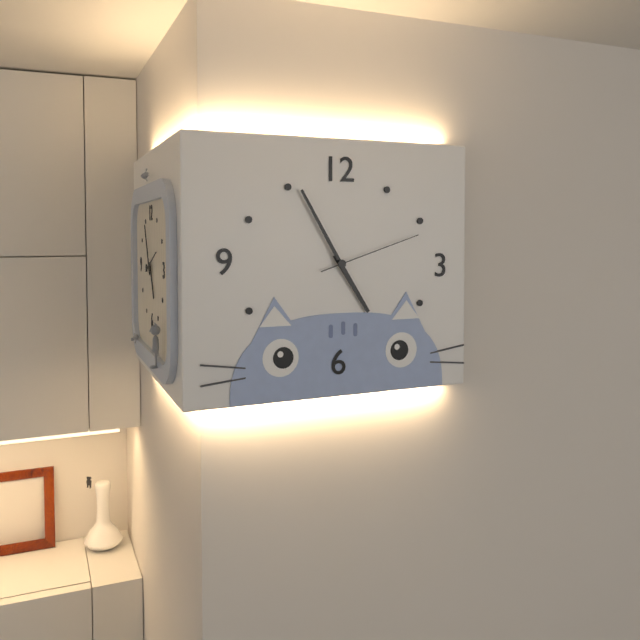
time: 4:55:12
